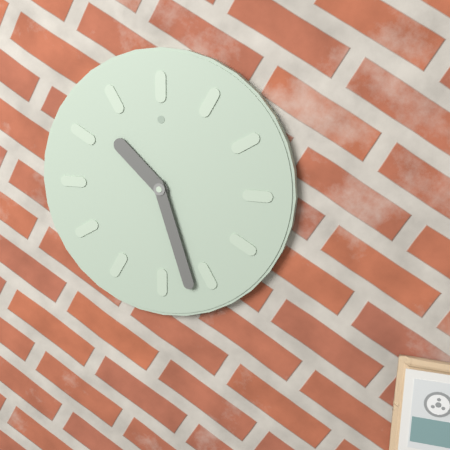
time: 10:27
